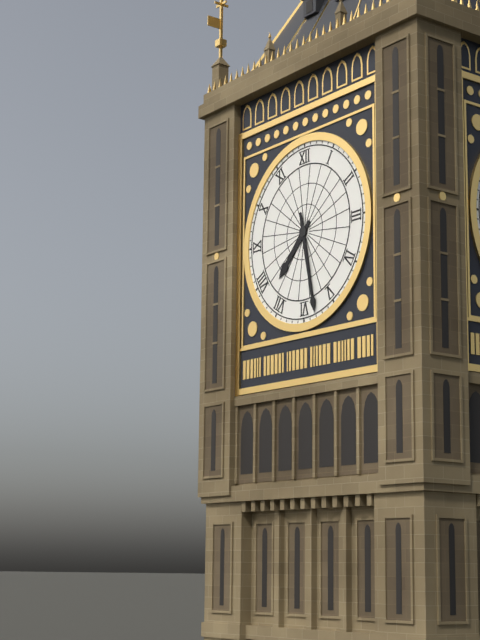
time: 7:28
